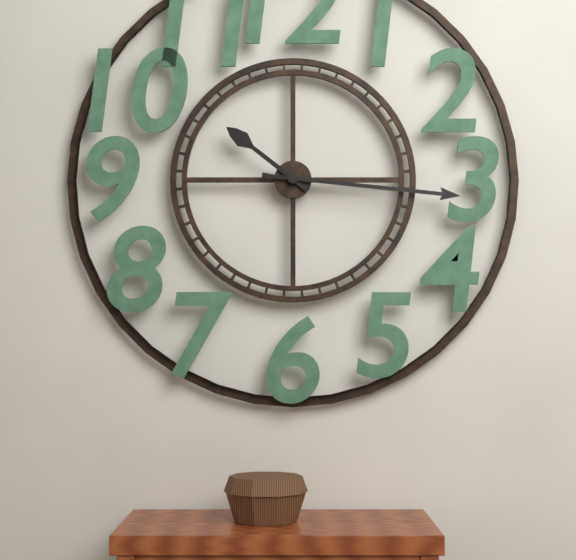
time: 10:16
